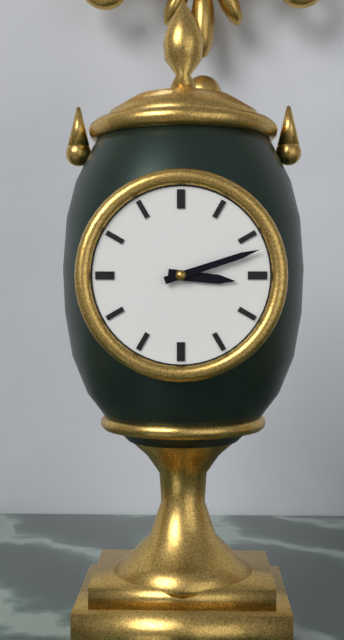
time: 3:12
